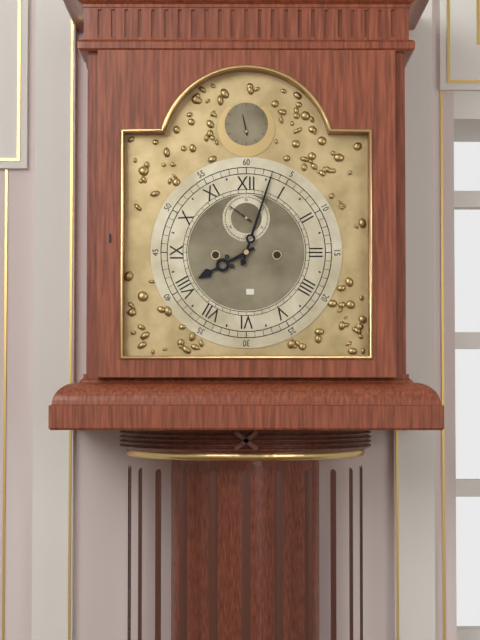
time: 8:03
